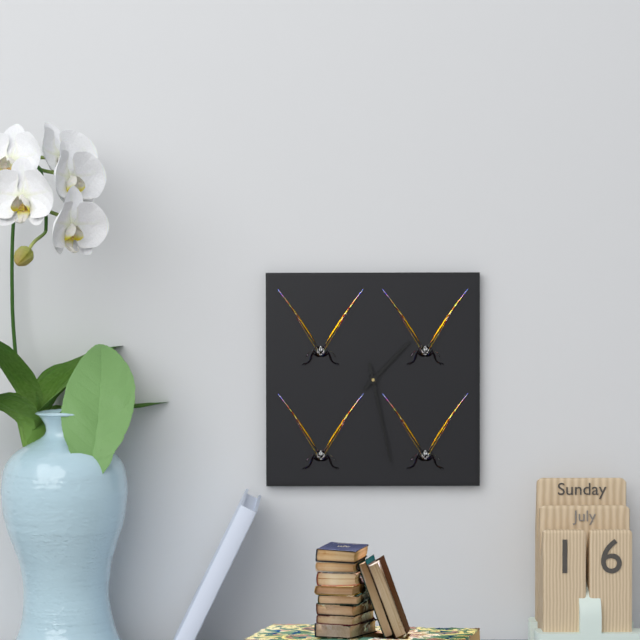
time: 1:28
